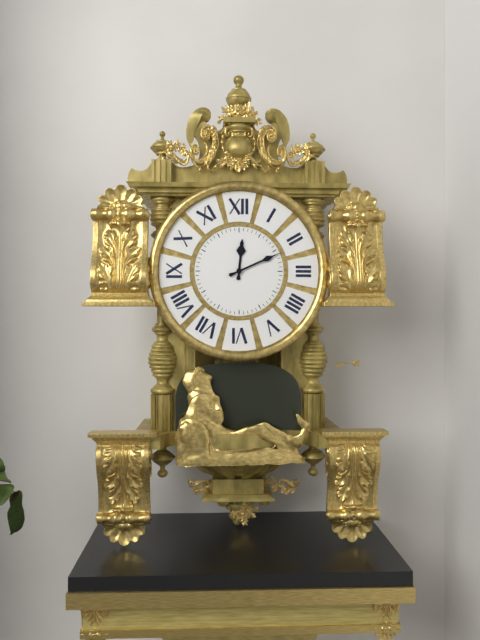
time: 12:11
